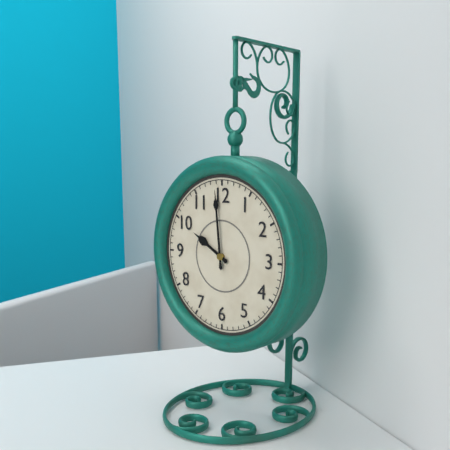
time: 9:59
